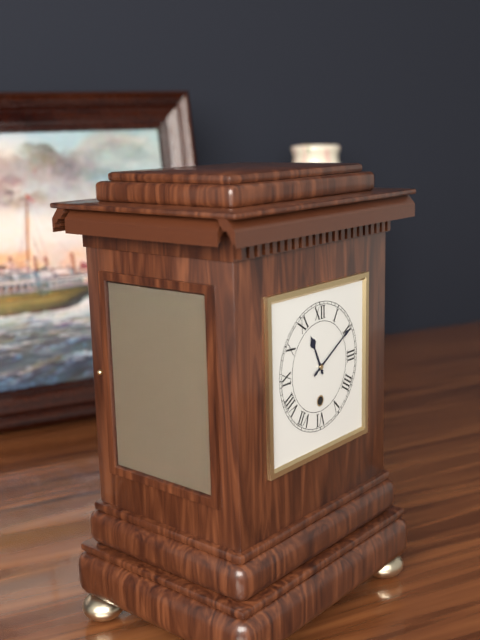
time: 11:10
